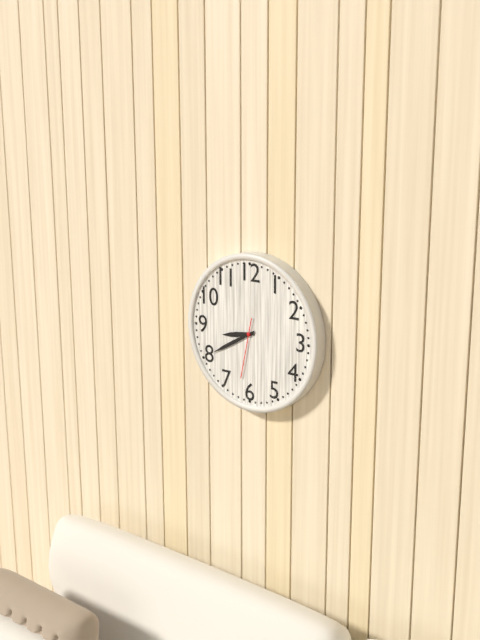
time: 8:40:32
